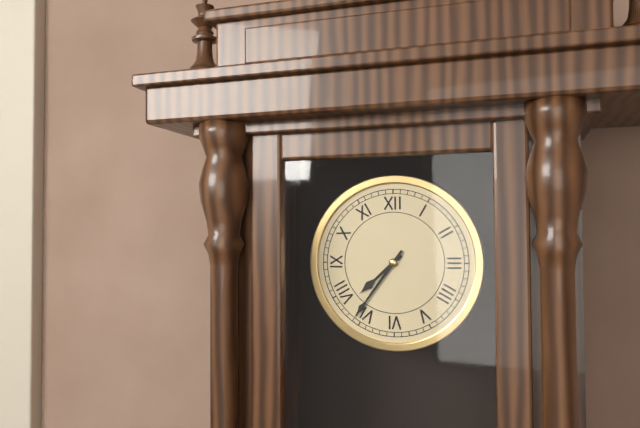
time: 7:36
